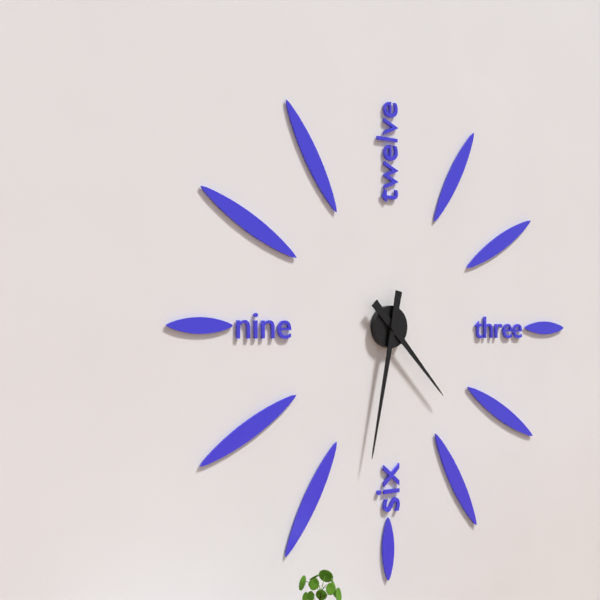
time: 4:32
